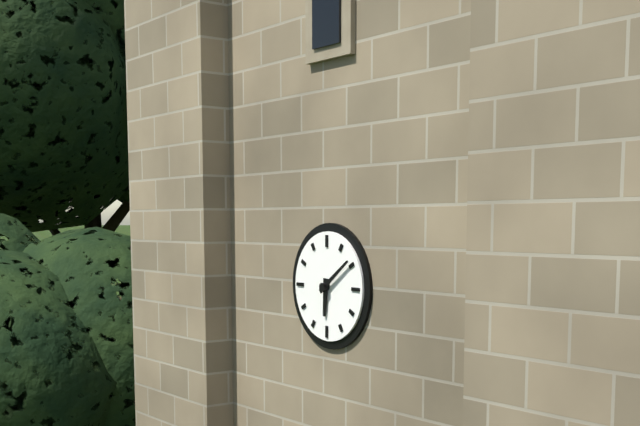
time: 6:09
